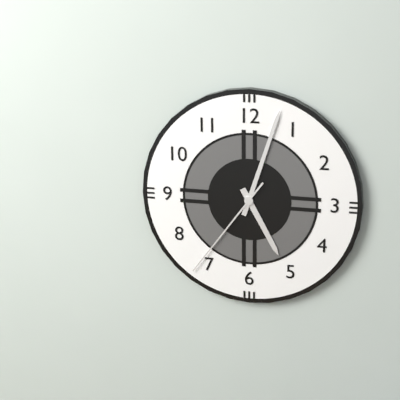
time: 5:03:36
